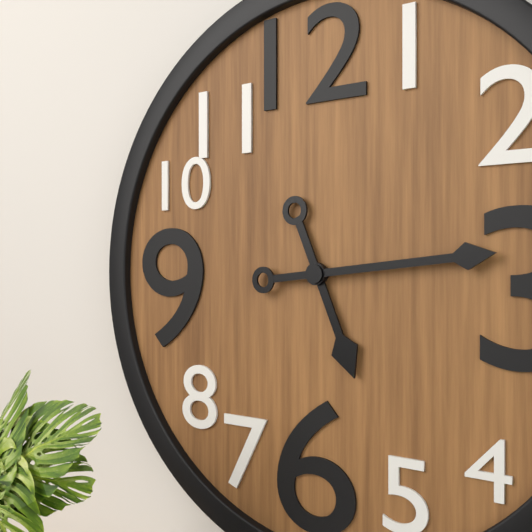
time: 5:14
